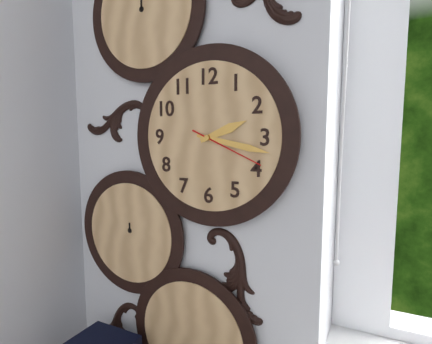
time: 2:17:19
